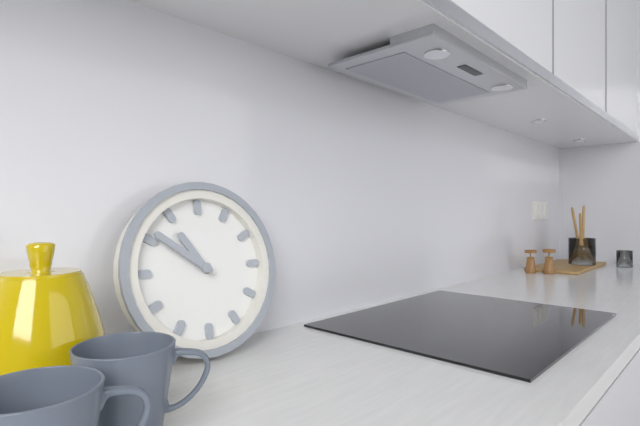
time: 10:51
